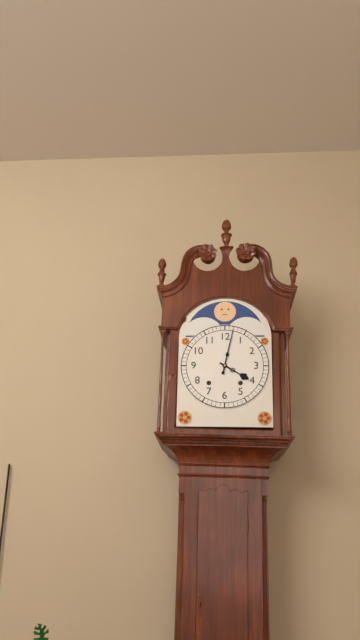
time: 4:02
